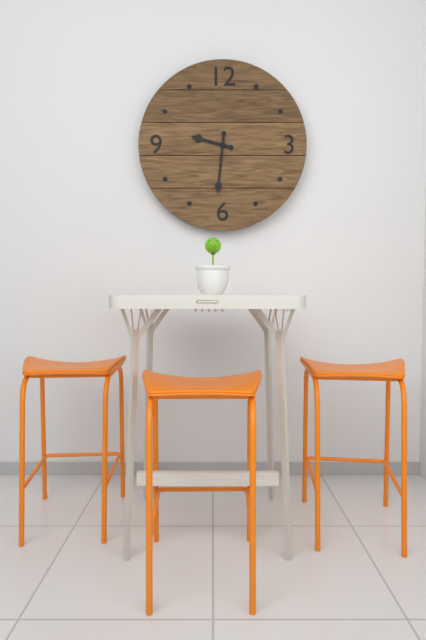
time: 9:31
